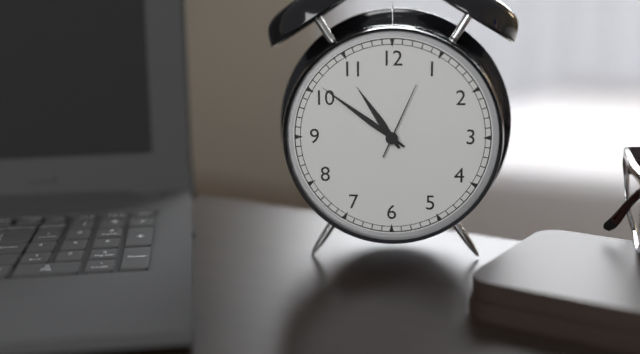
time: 10:51:04
